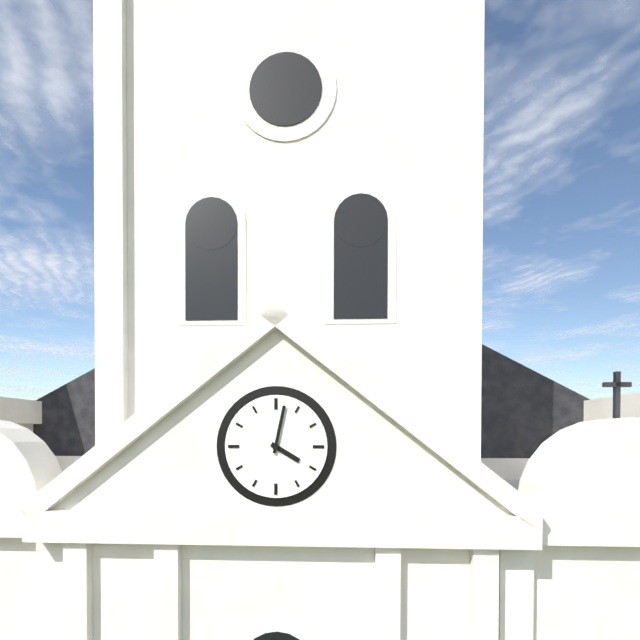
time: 4:02
